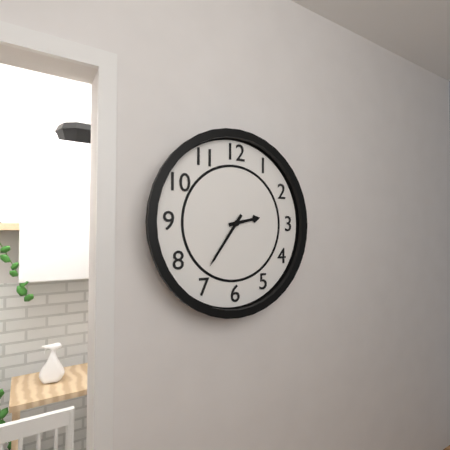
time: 2:36
